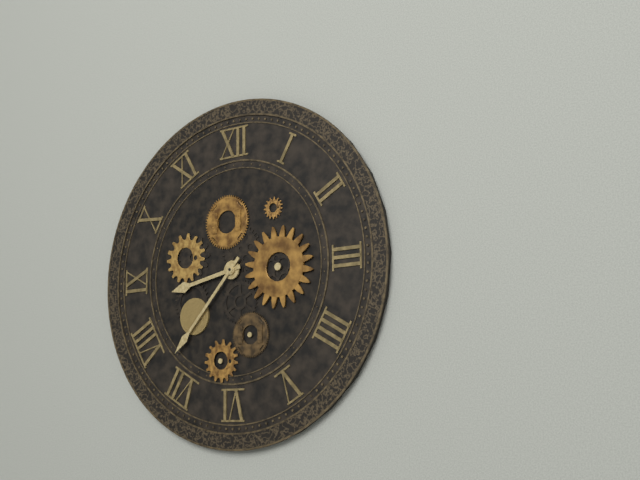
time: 8:37
